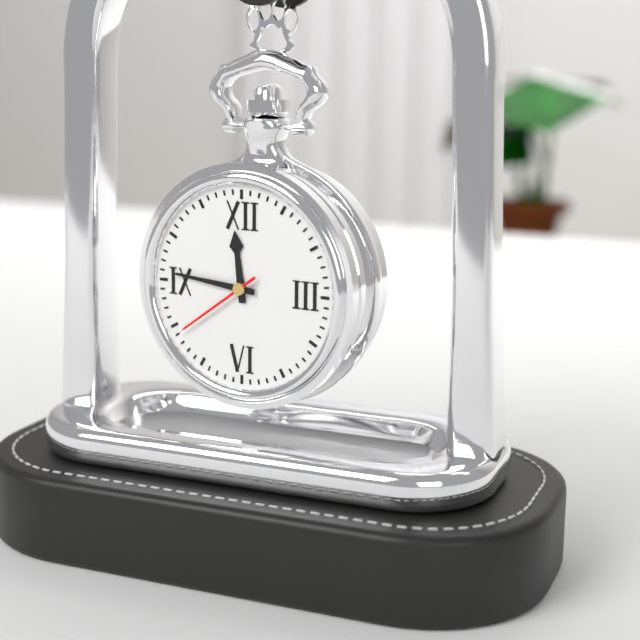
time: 11:46:39
